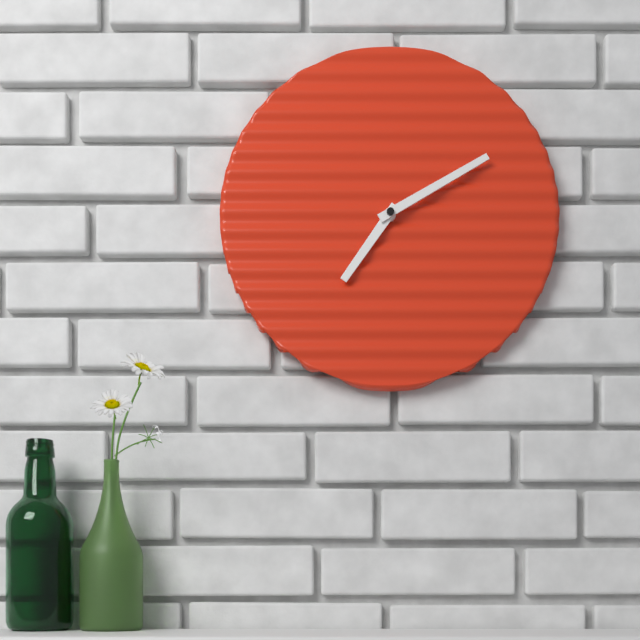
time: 7:10
